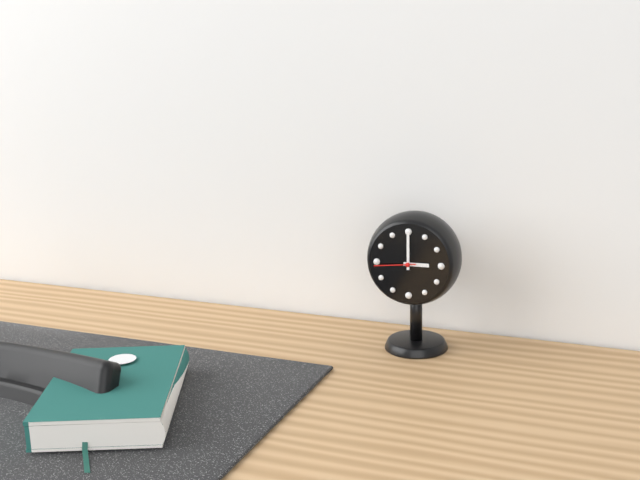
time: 3:00
